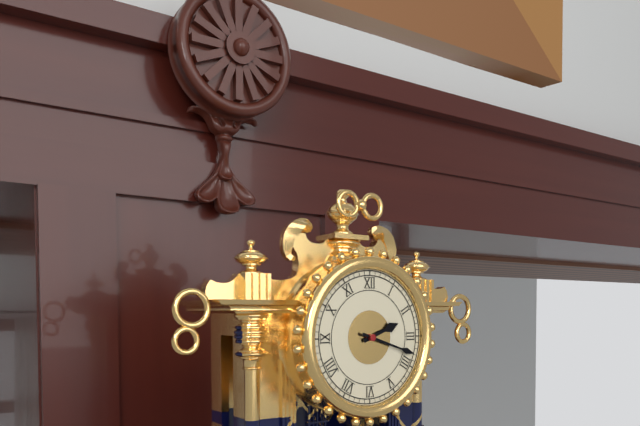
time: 2:18
